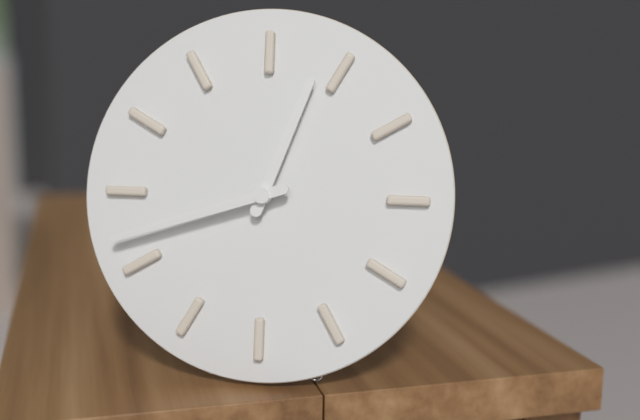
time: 12:42
